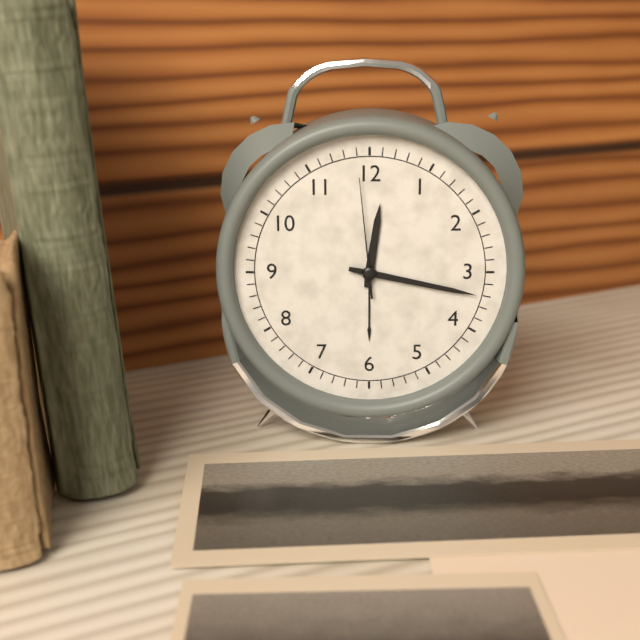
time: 12:17:59
